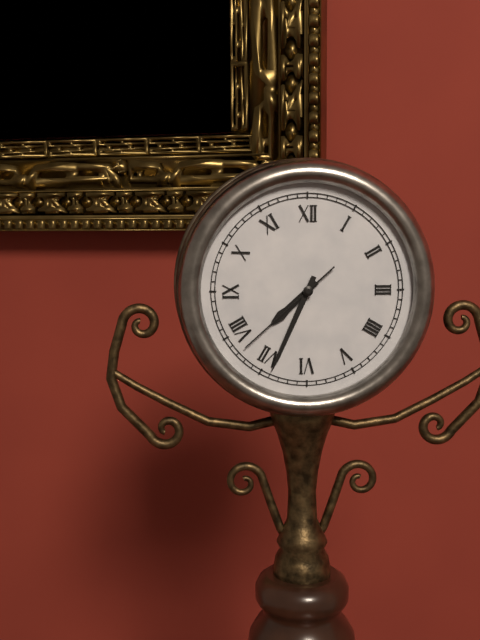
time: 7:34:38
